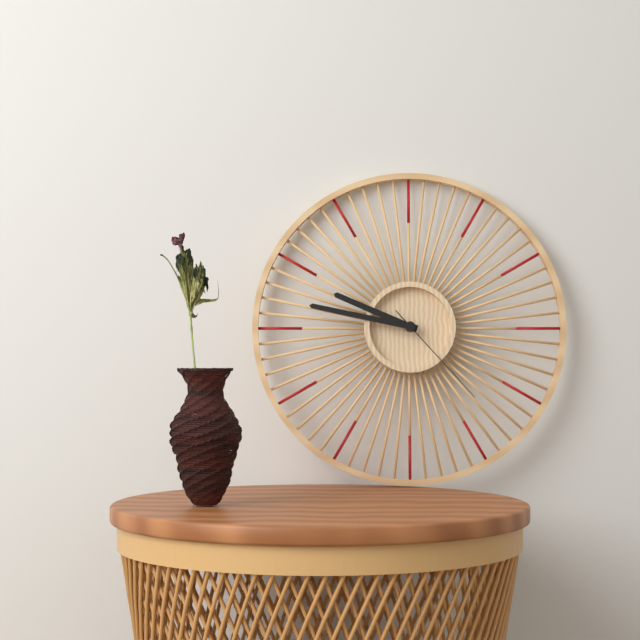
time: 9:47:23
